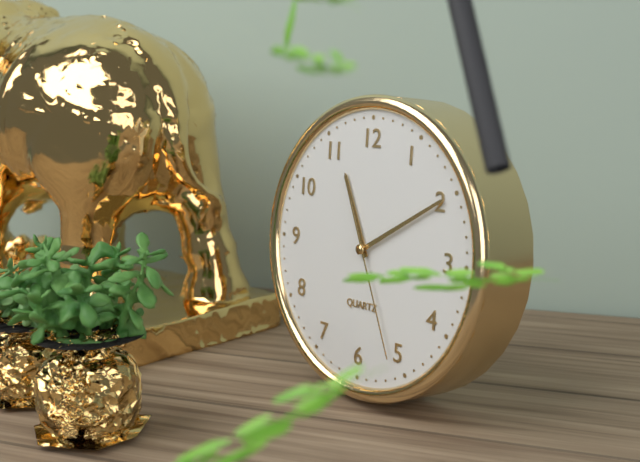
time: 11:10:26
